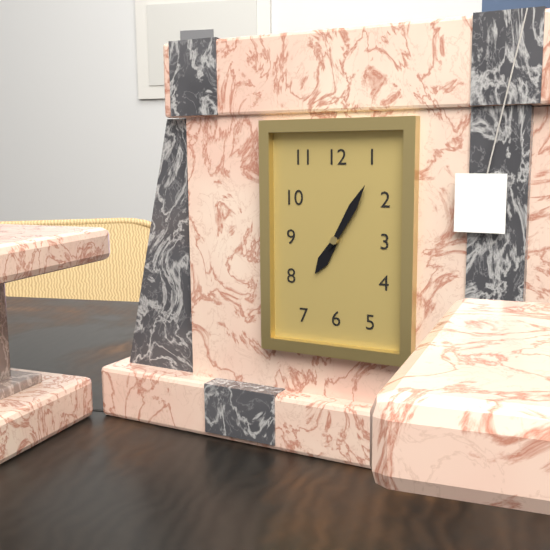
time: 7:05
